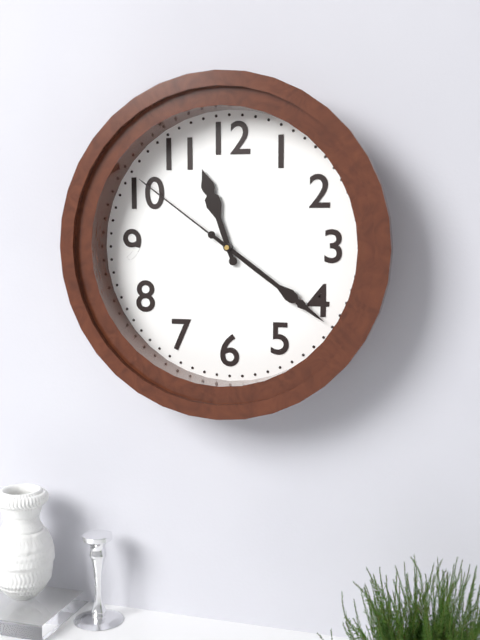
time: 11:21:51
